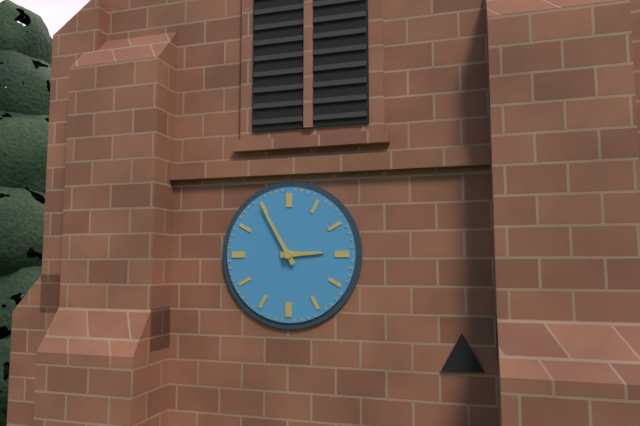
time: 2:55
